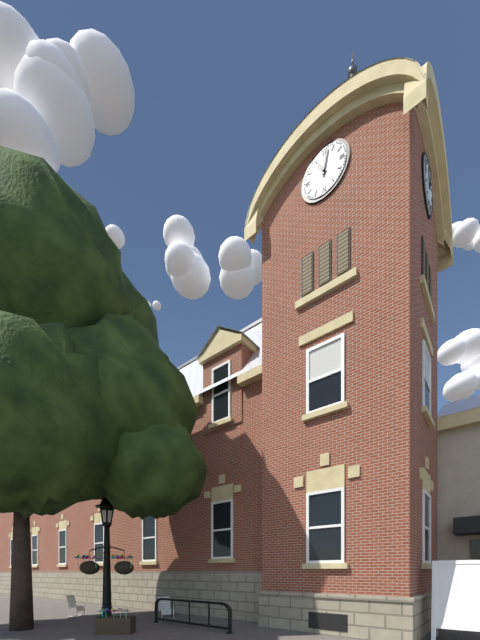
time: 11:02
